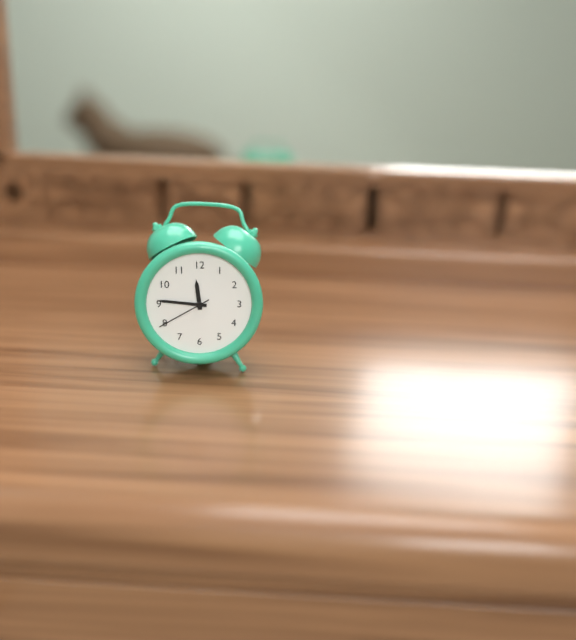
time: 11:46:40
